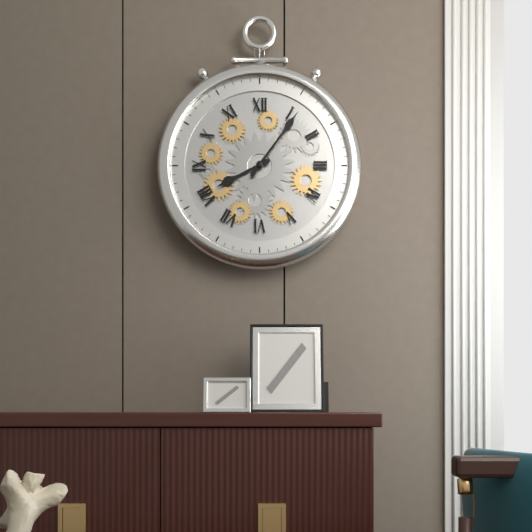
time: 8:06
